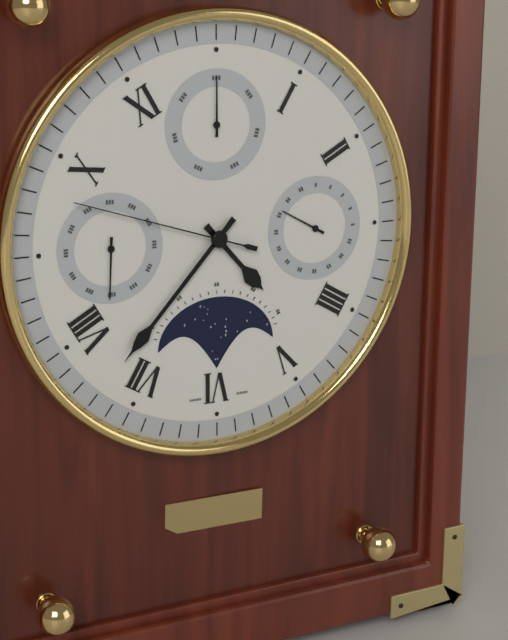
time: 4:37:48
